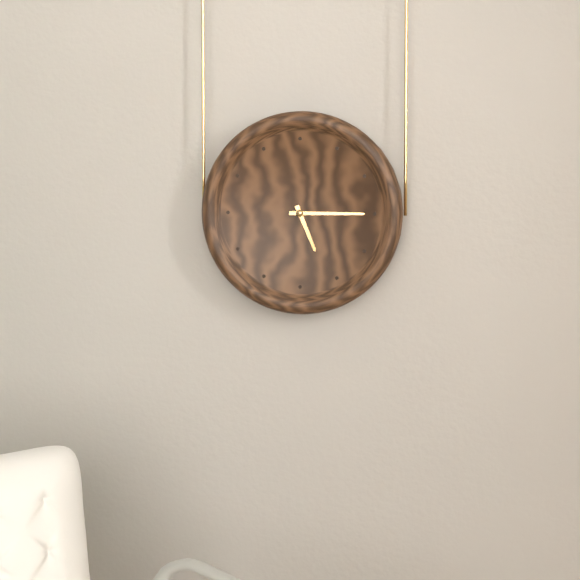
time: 5:15
